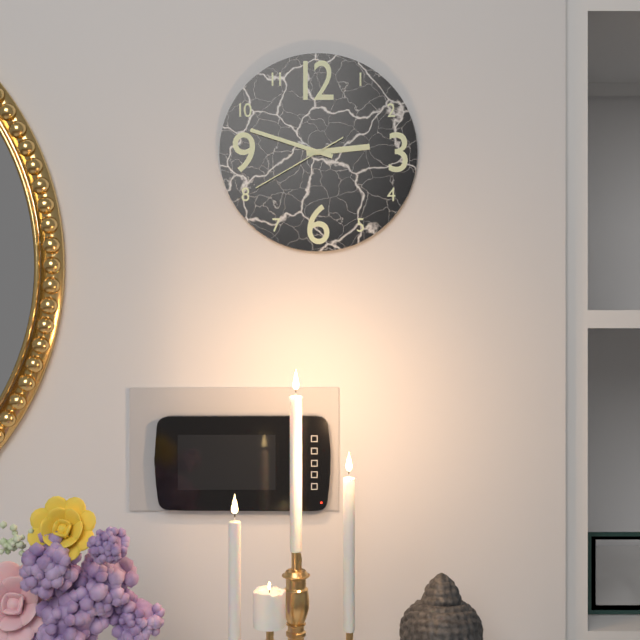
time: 2:48:40
